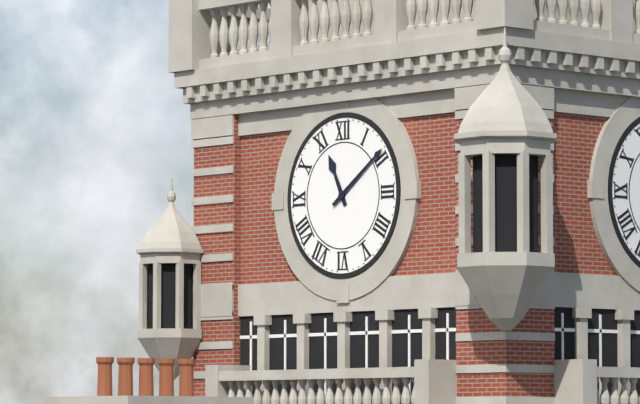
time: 11:09
